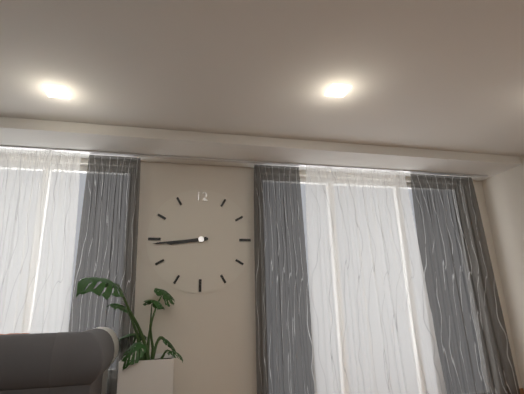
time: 8:44
